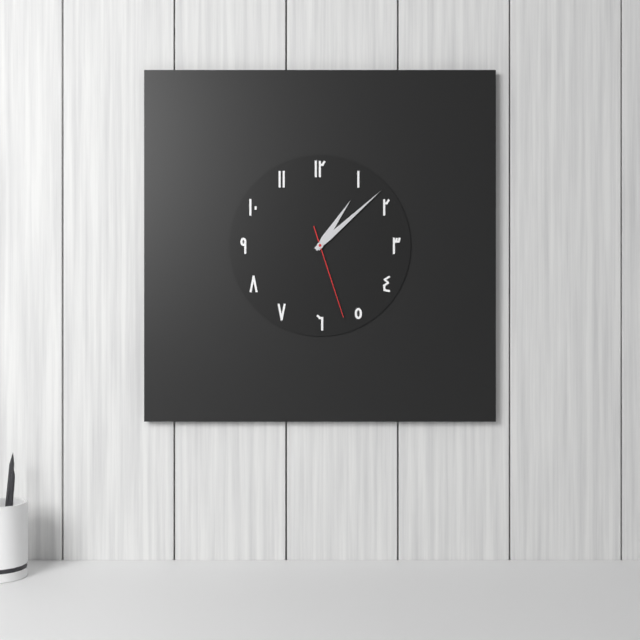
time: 1:08:27
